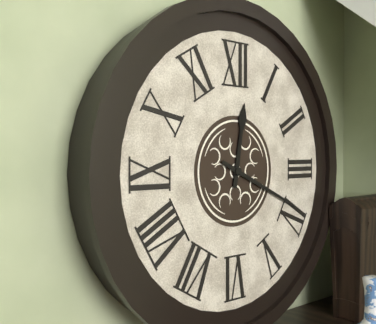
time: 12:19
